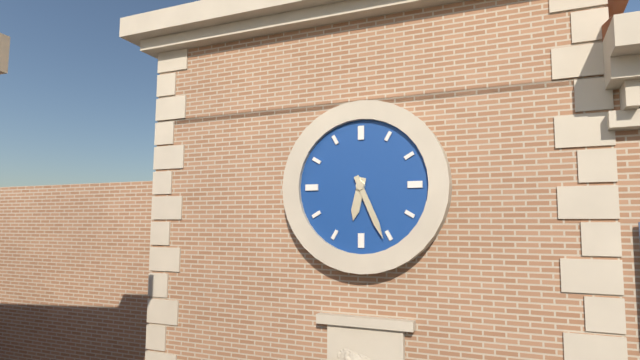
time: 6:26
